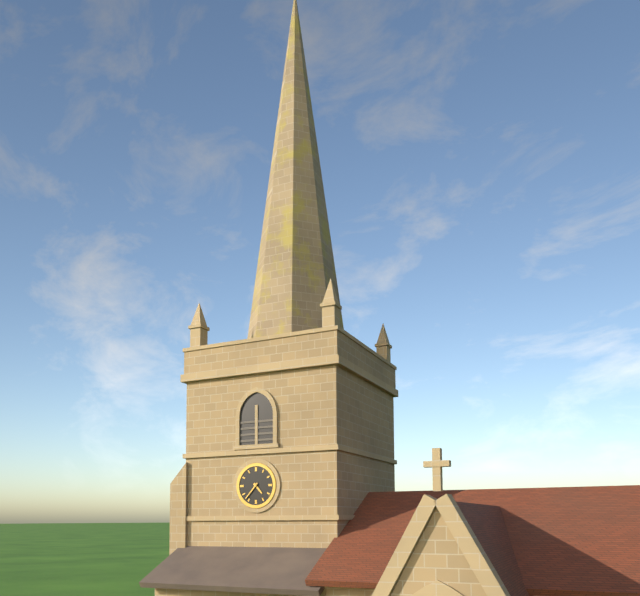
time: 4:37
